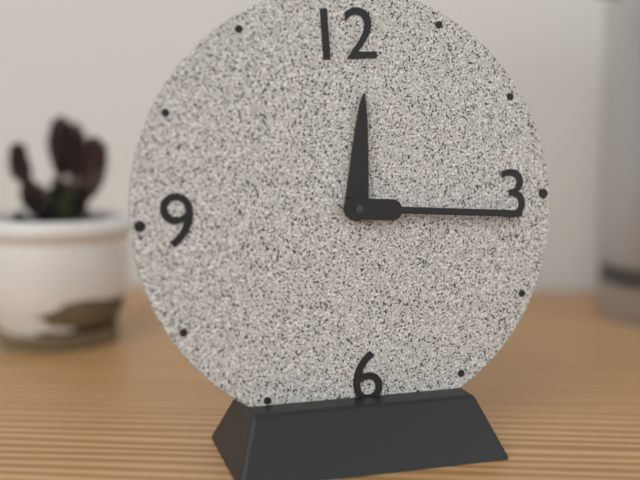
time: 12:16
